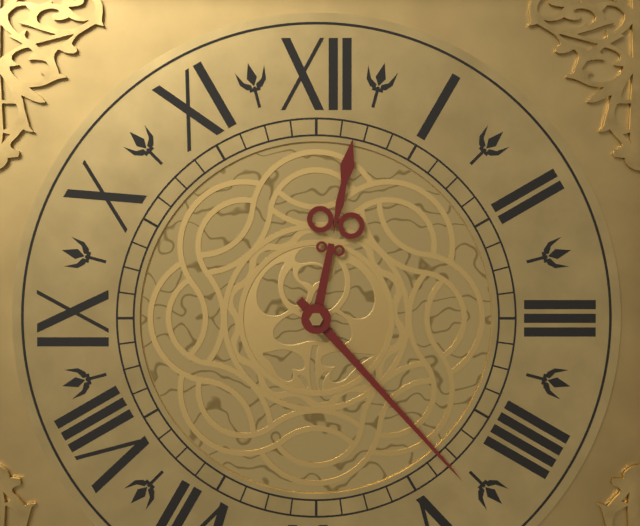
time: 12:23
